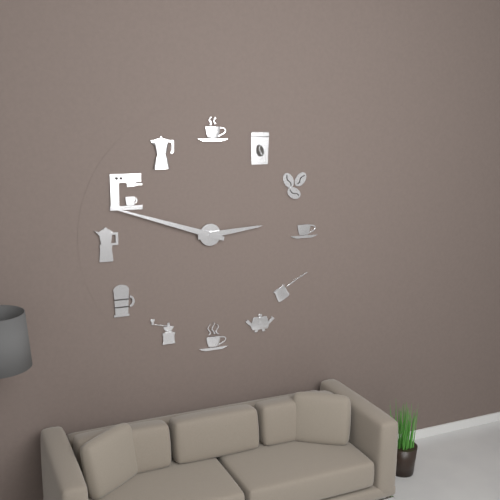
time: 2:48
